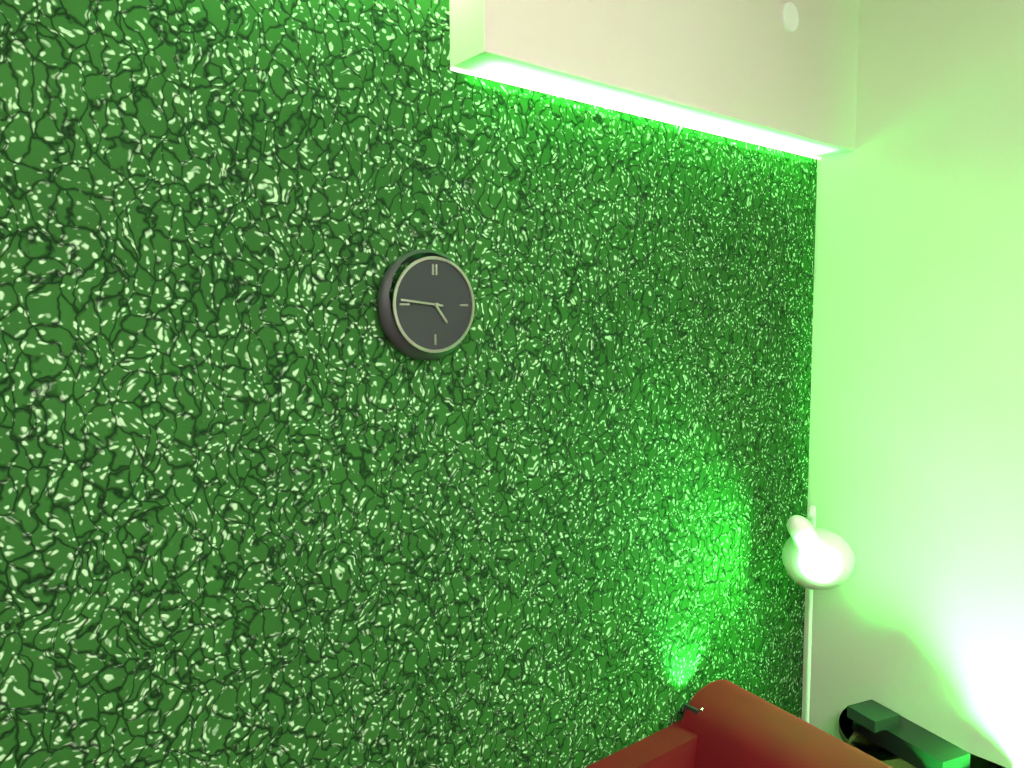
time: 4:46
